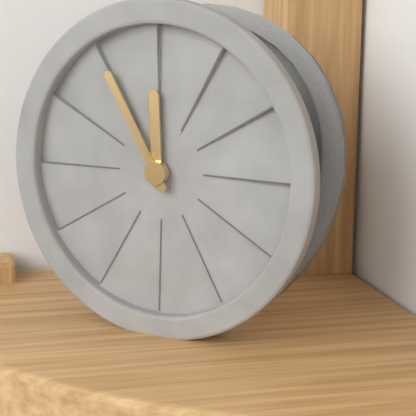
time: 11:55
